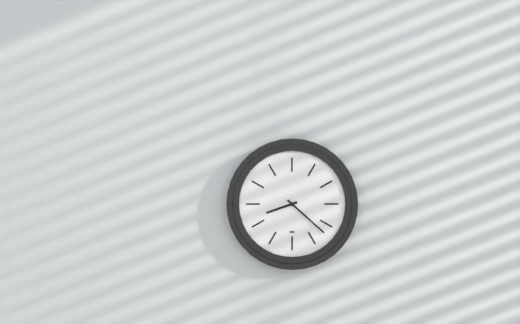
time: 8:22
